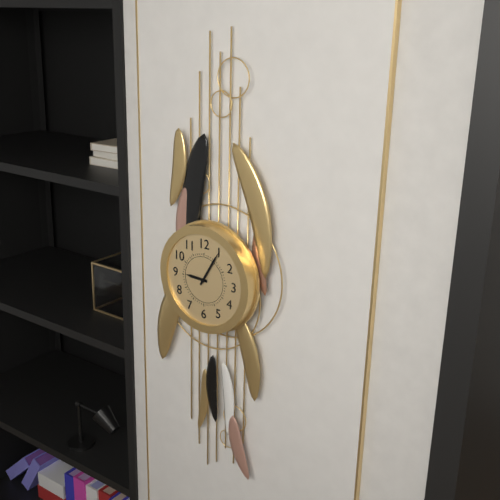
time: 9:05
